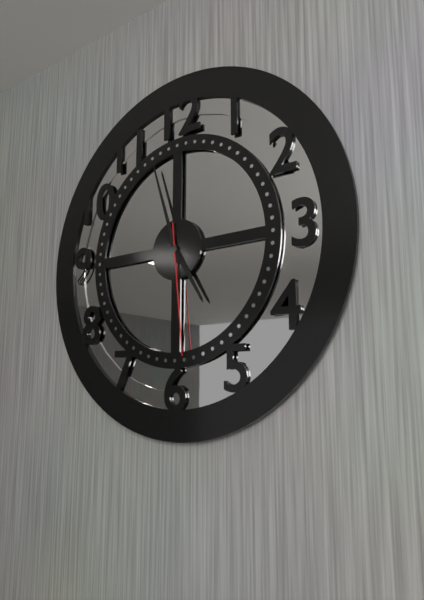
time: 4:57:29
